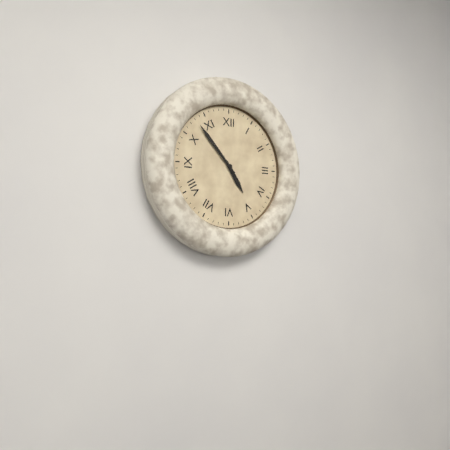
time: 4:53
